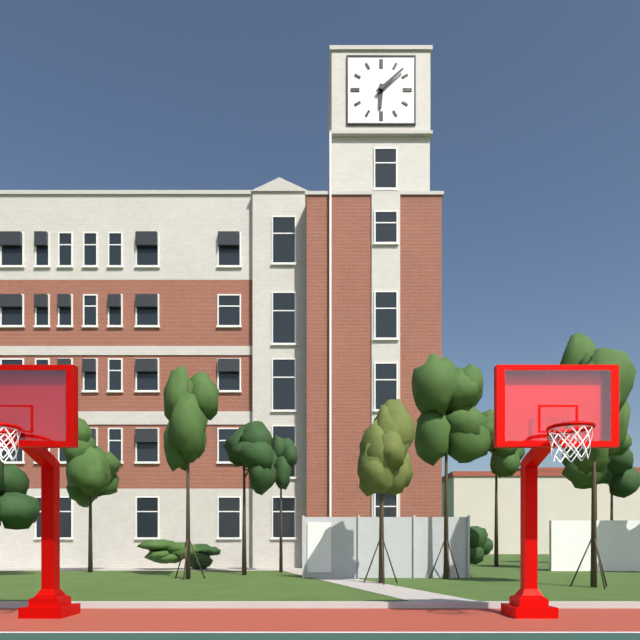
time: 6:08
